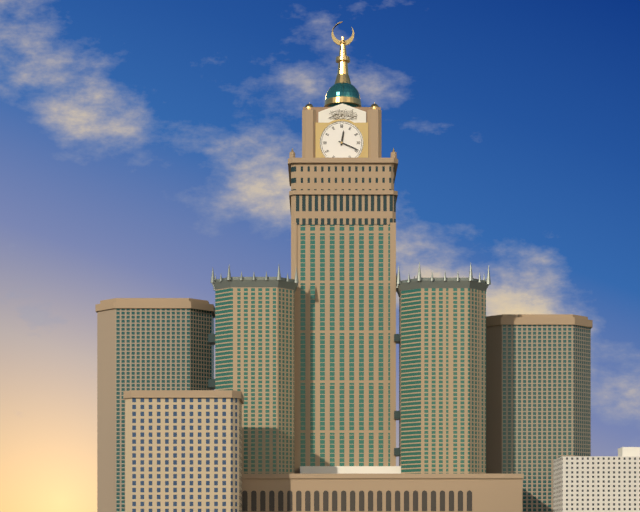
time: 12:19
